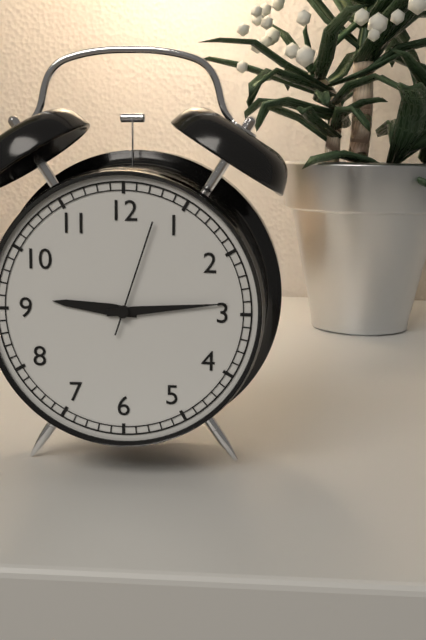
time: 9:14:03
